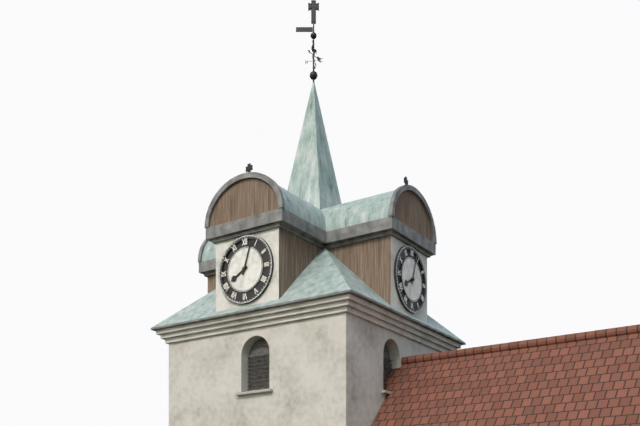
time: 8:03
